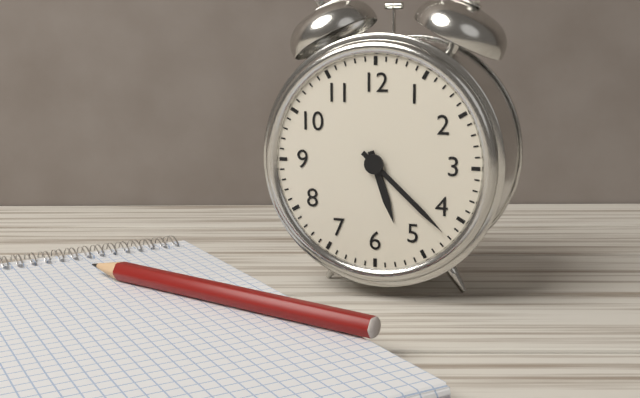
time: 5:22
